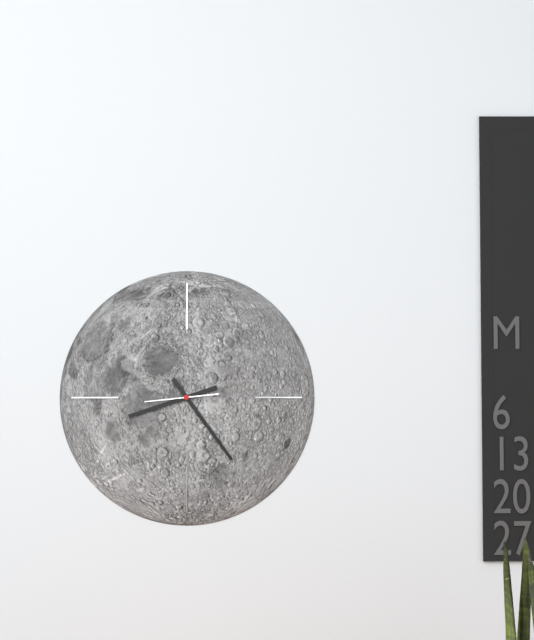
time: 8:24:44
